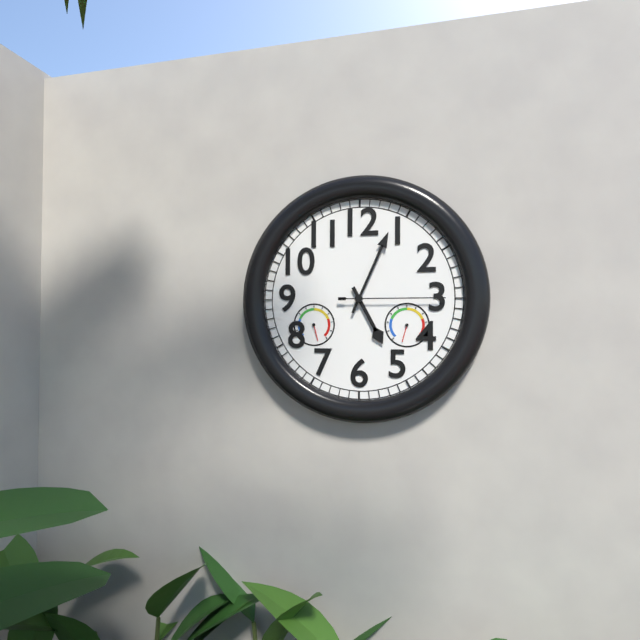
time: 5:04:15
